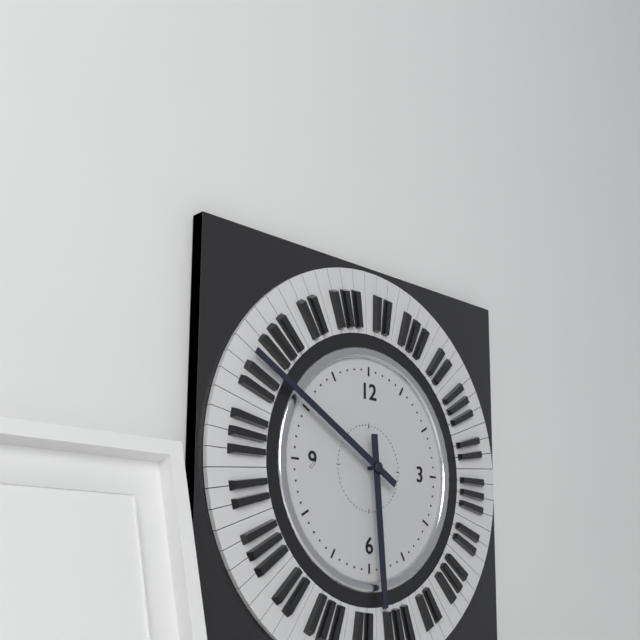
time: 5:50
